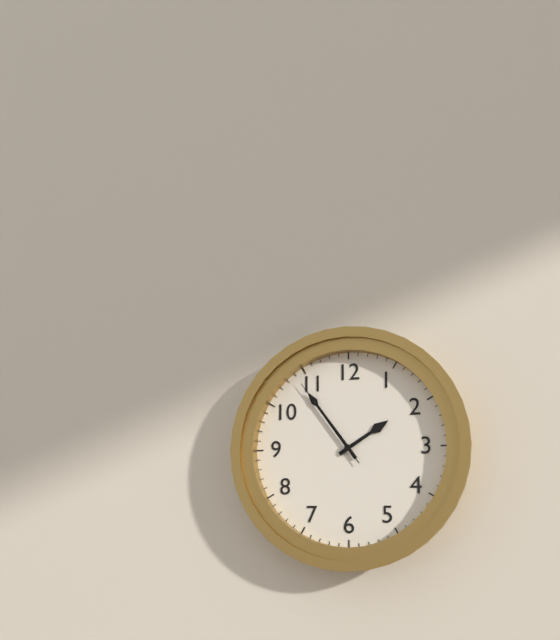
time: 1:54:54
